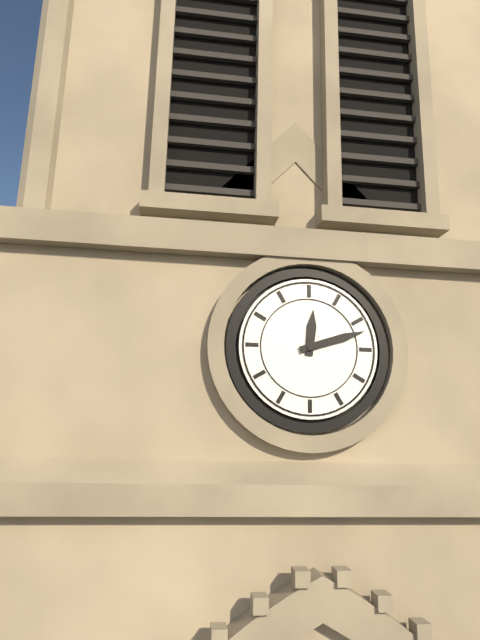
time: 12:12
